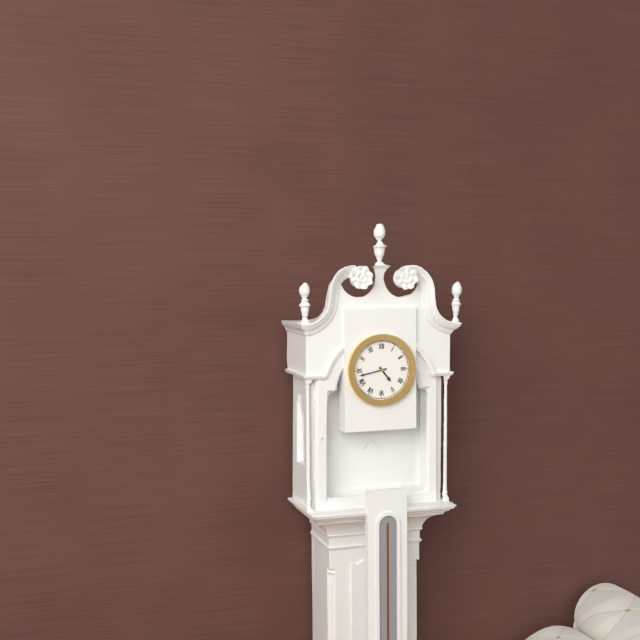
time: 4:43
